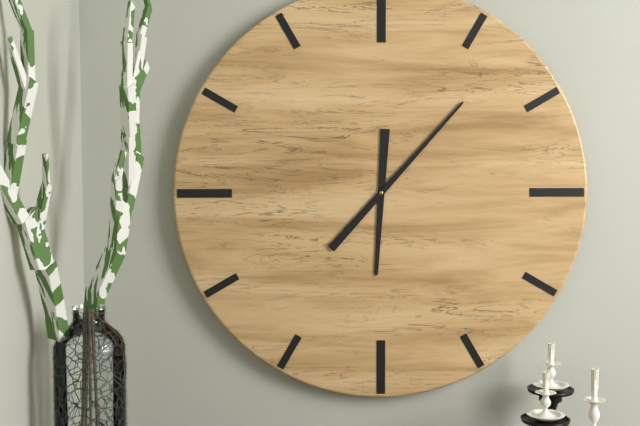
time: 6:07
